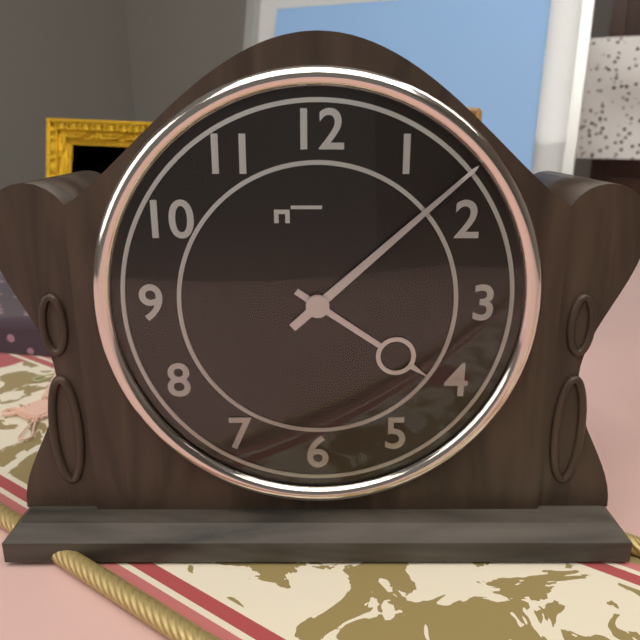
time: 4:08
